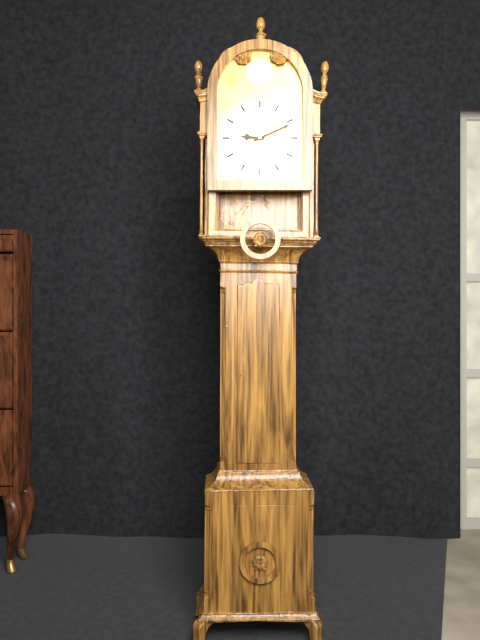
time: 9:11
